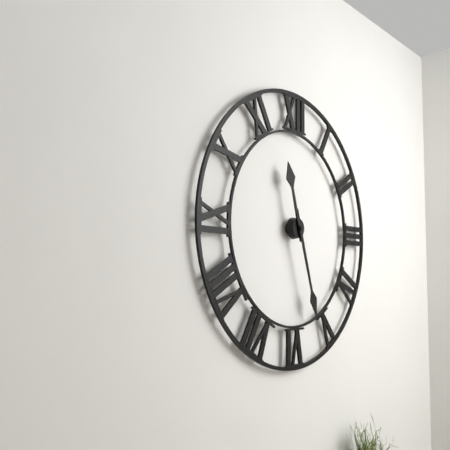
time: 11:27
